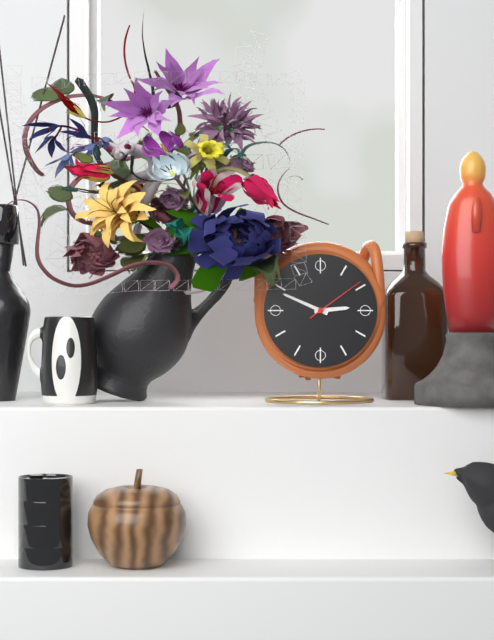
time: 2:49:09
